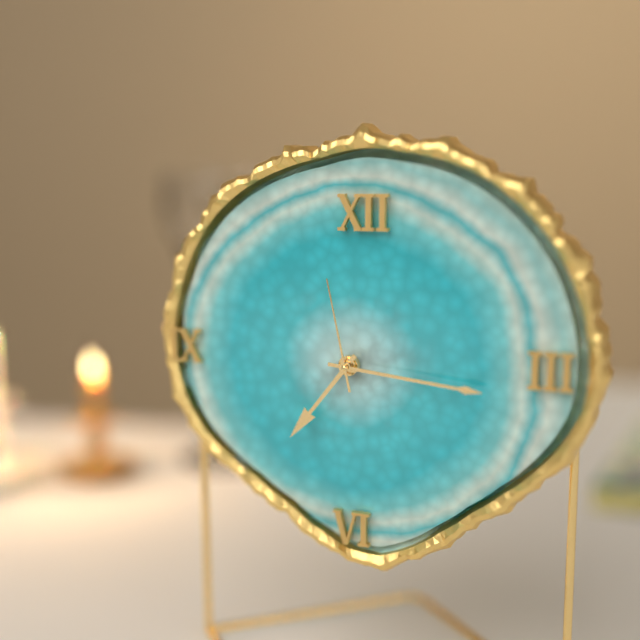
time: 7:16:58
